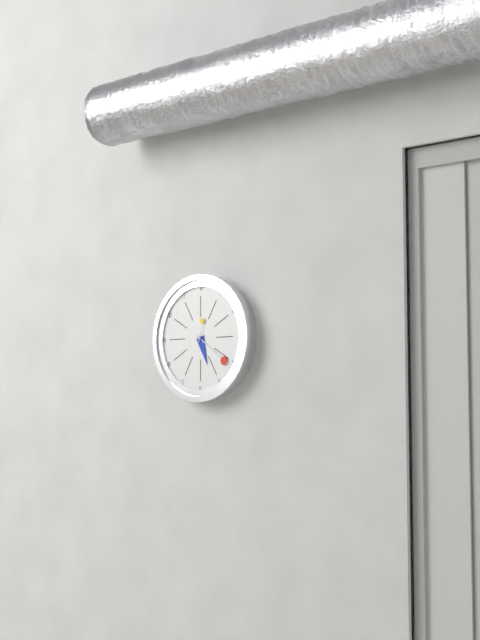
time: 5:21
